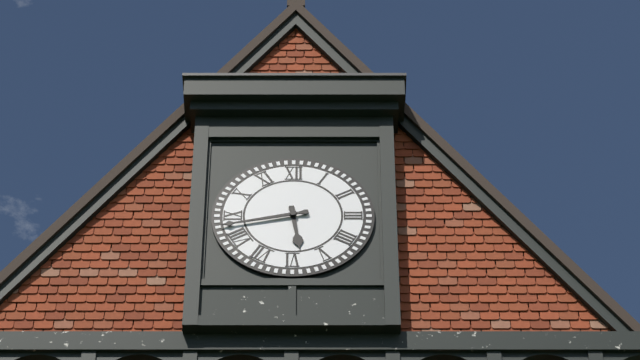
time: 5:43
